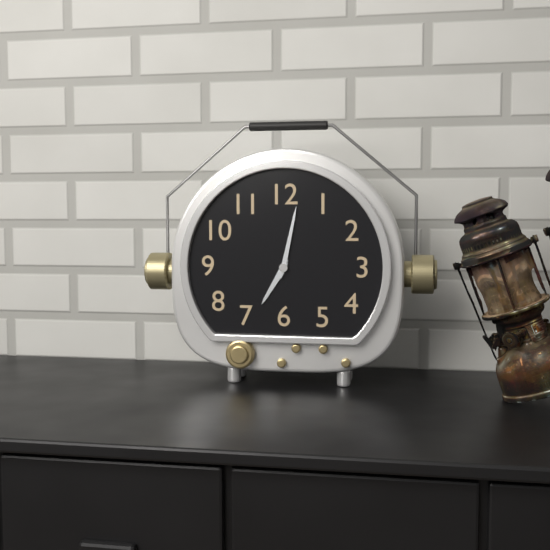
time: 7:02
